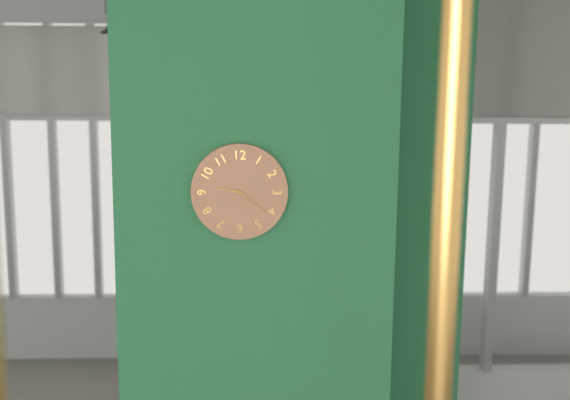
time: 9:21
